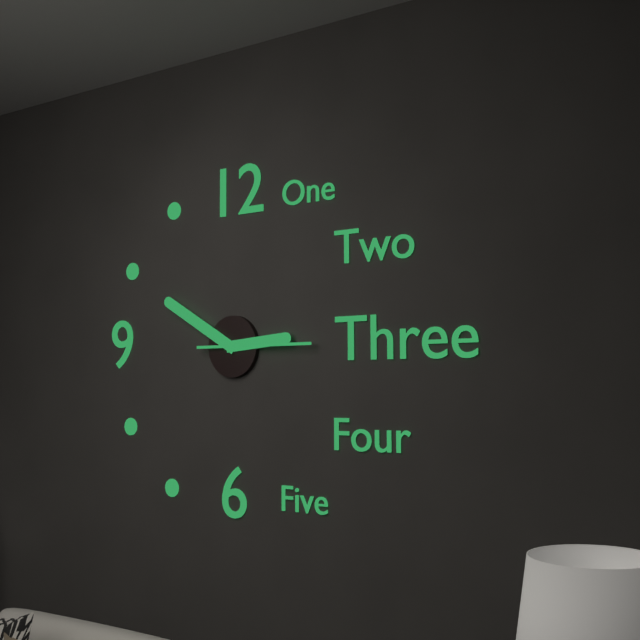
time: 2:50:15
